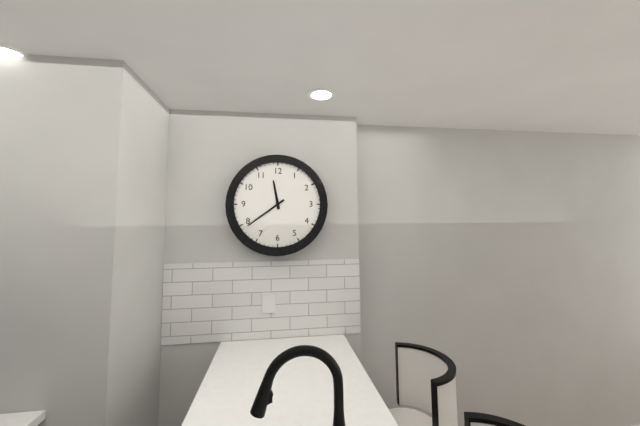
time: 11:39
